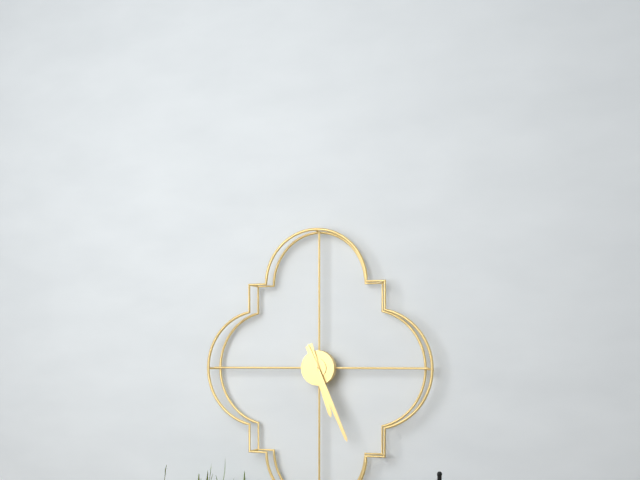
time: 5:26
